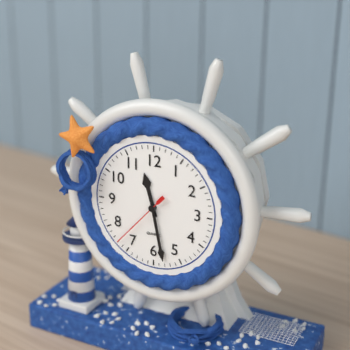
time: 11:28:37
